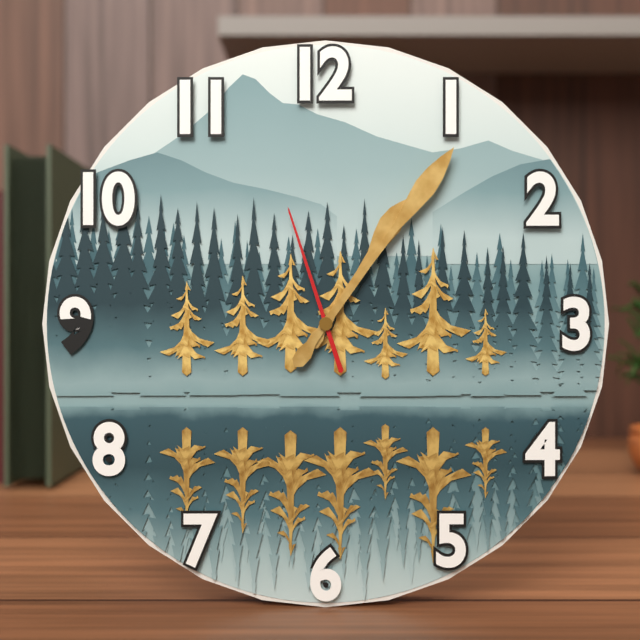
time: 1:06:57
